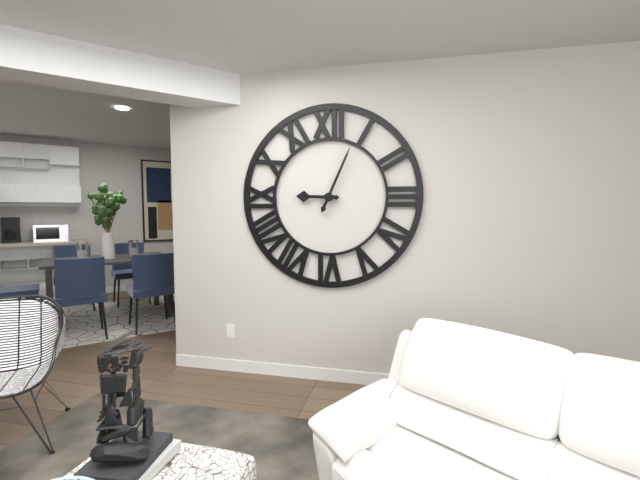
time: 9:04
